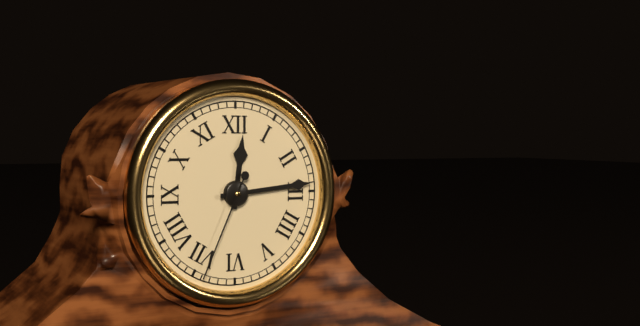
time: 12:14:34
